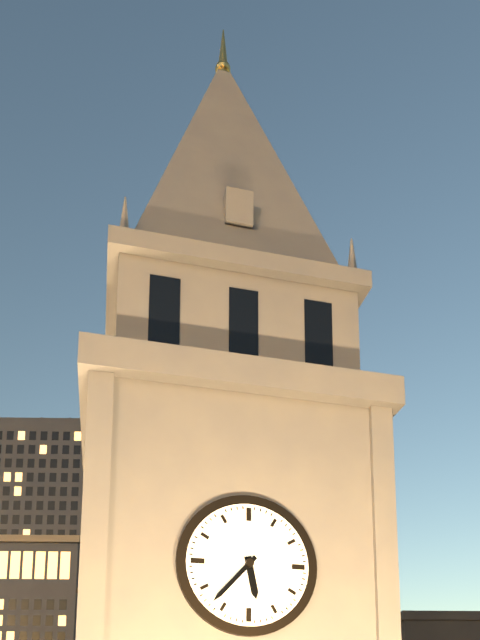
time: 5:37
